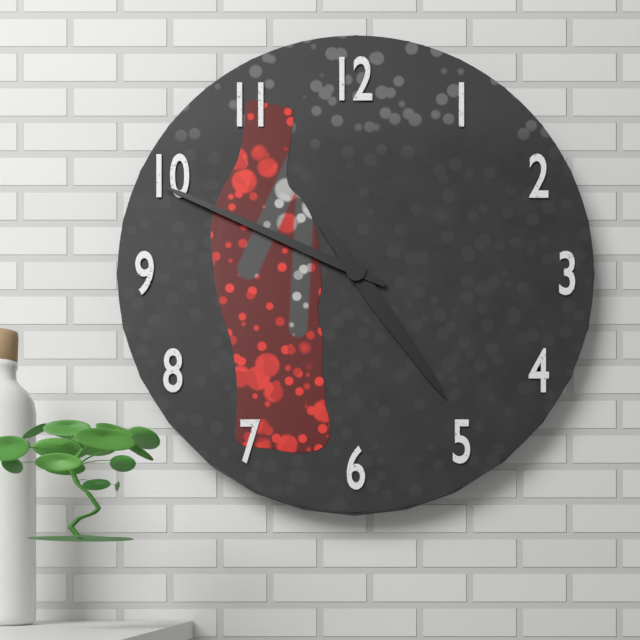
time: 4:49
